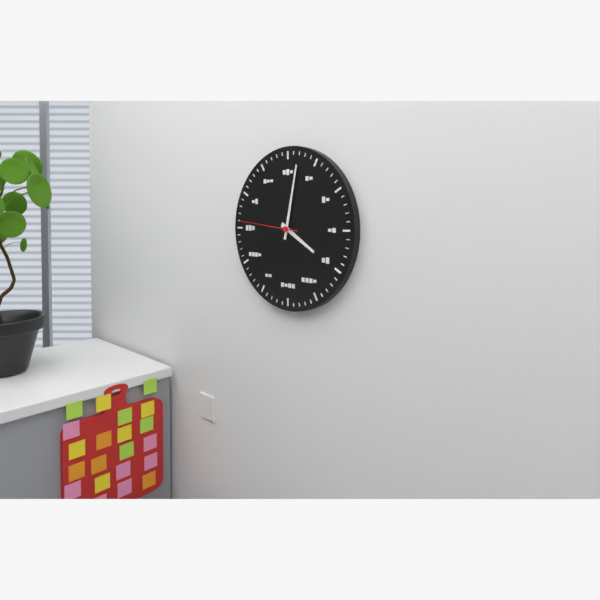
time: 4:02:46
